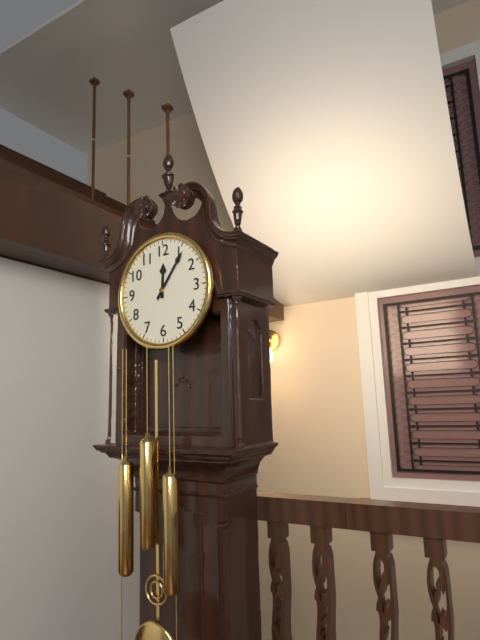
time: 12:06
